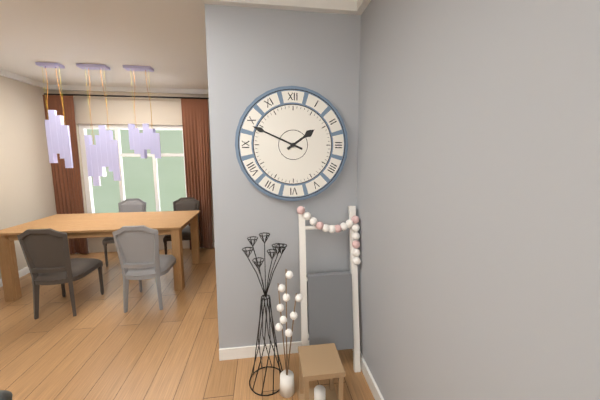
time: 1:49
